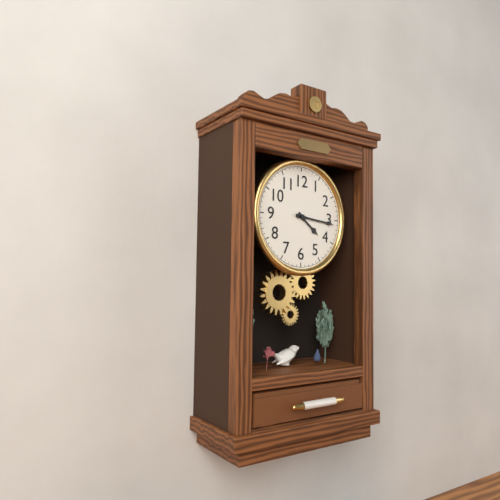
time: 4:16
